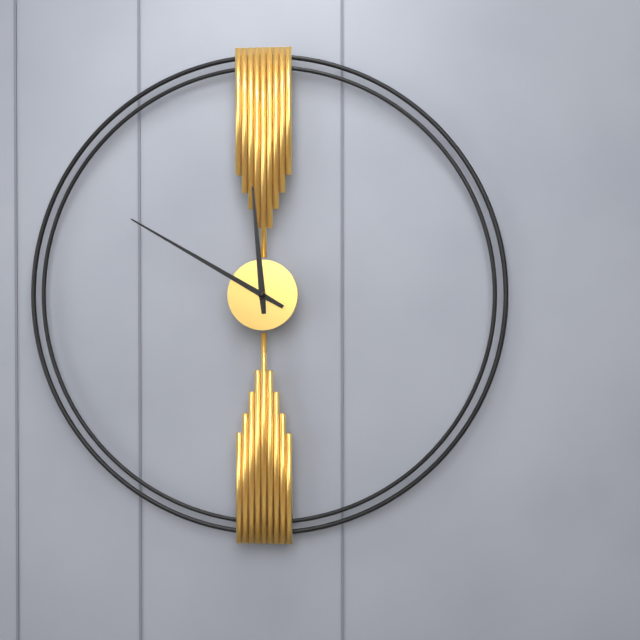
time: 11:50
